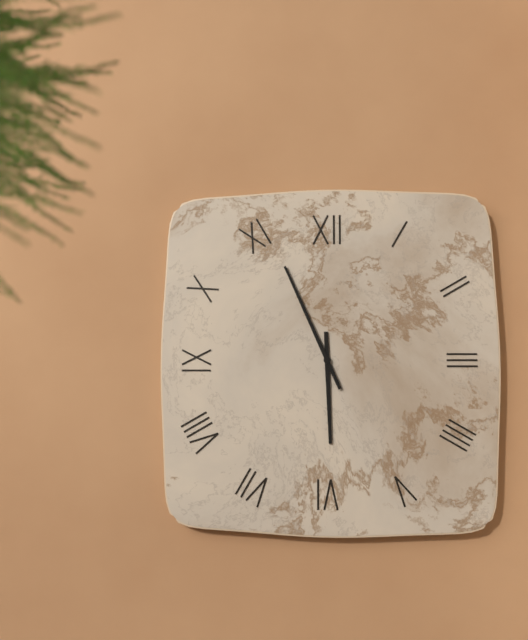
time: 5:56
